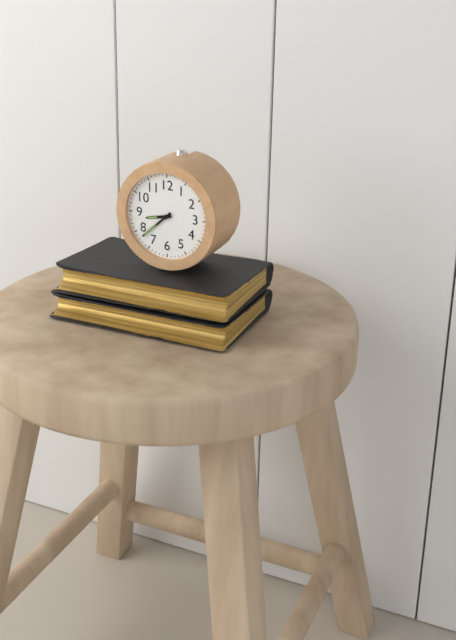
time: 8:38
